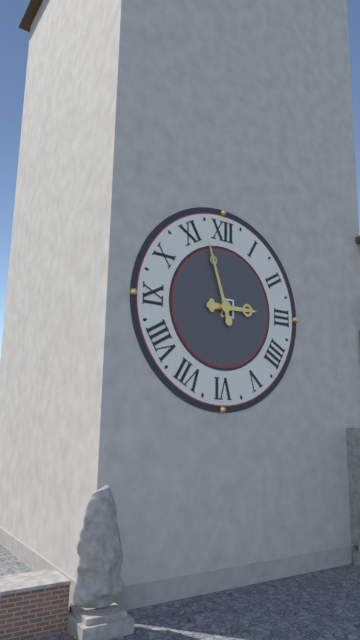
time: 2:57
